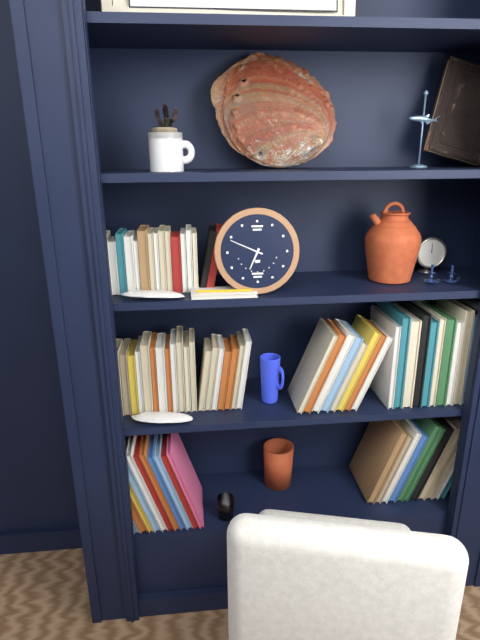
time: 6:49
